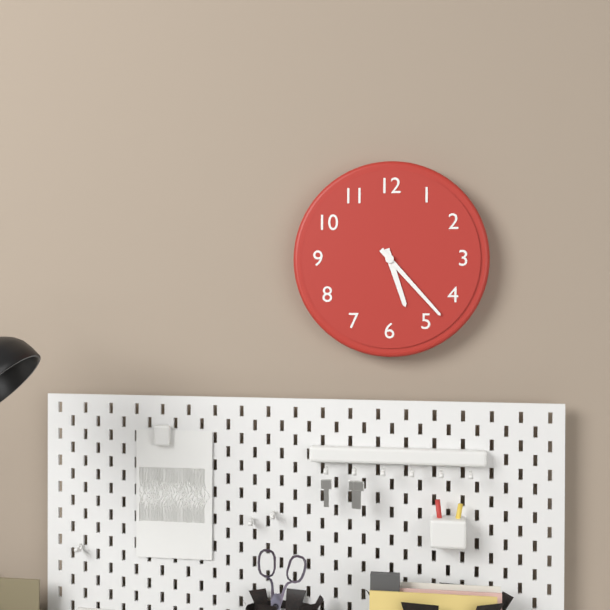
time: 5:23
